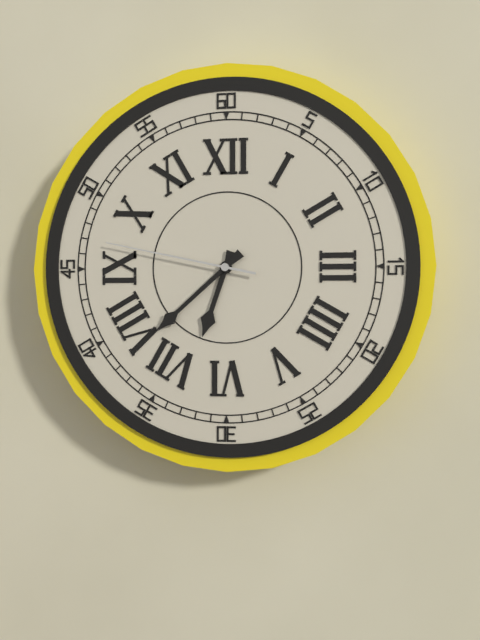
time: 6:38:47
